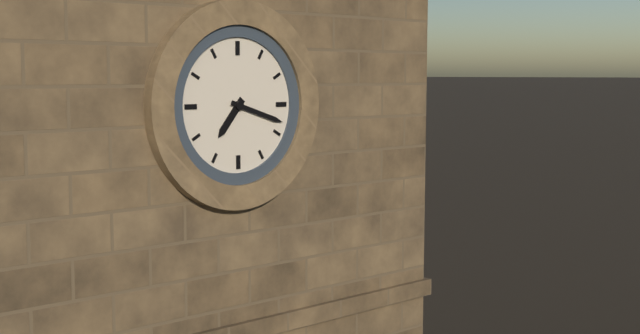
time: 7:18
